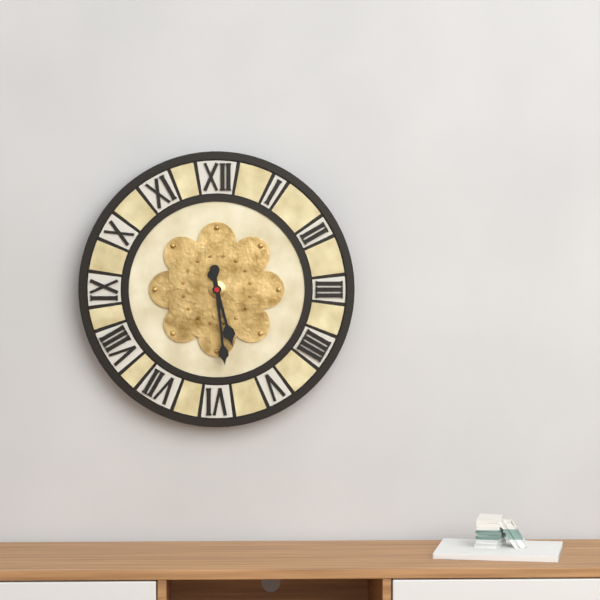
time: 5:29
